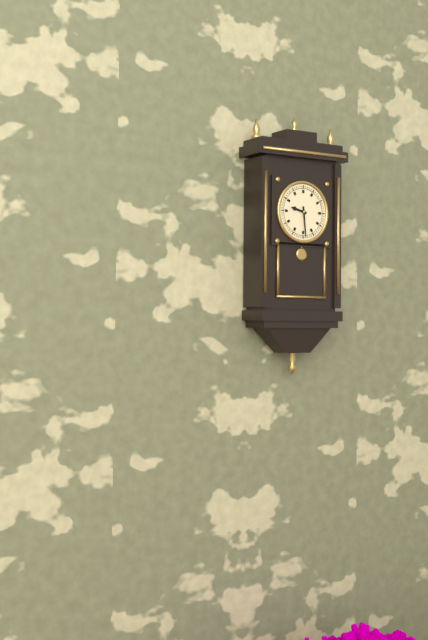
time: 9:29
